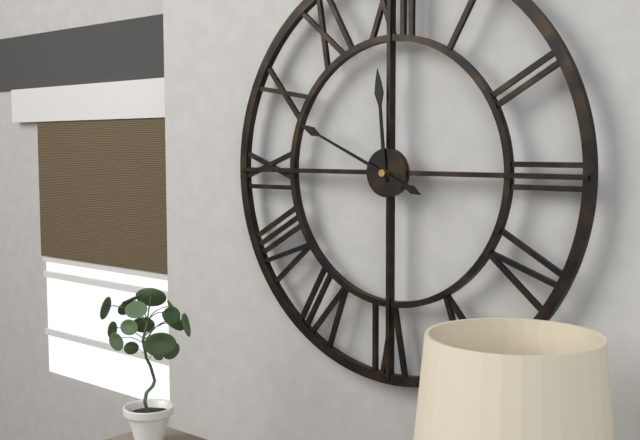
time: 11:49
